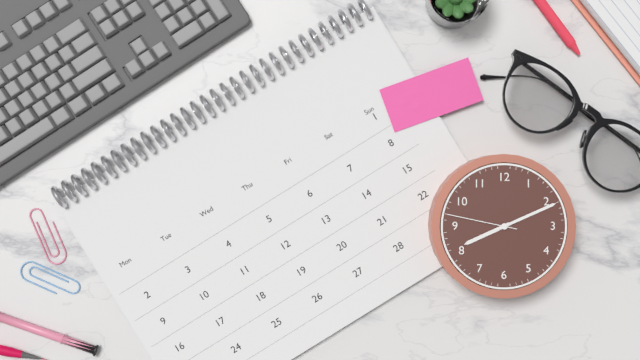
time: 8:11:47
